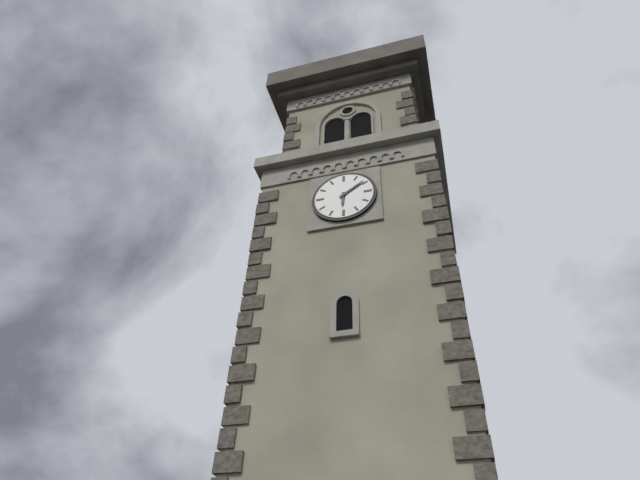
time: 6:09
